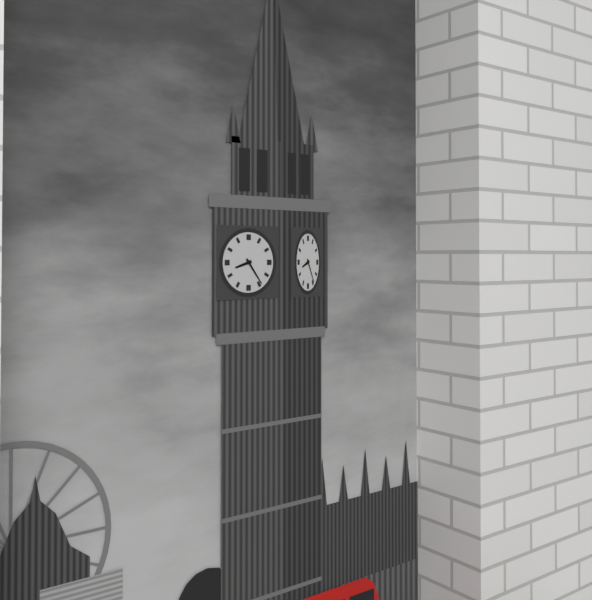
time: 8:24
